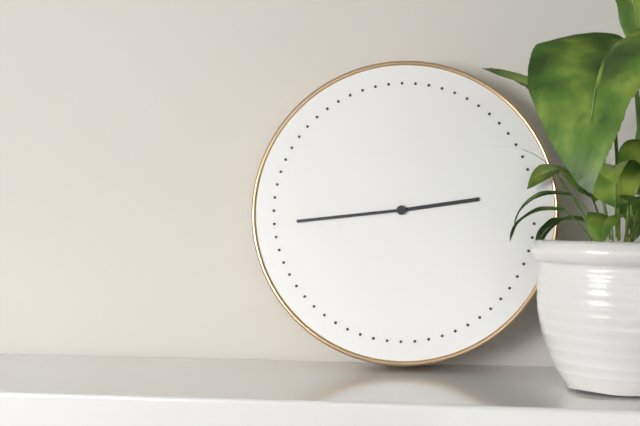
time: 2:44
